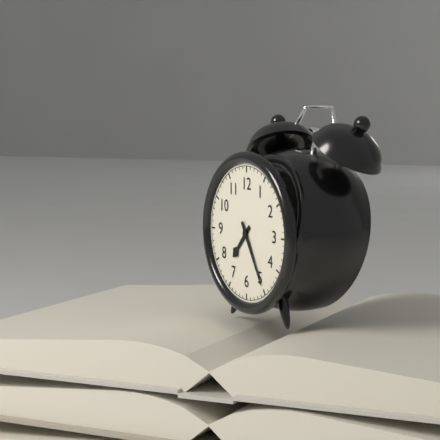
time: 7:25
